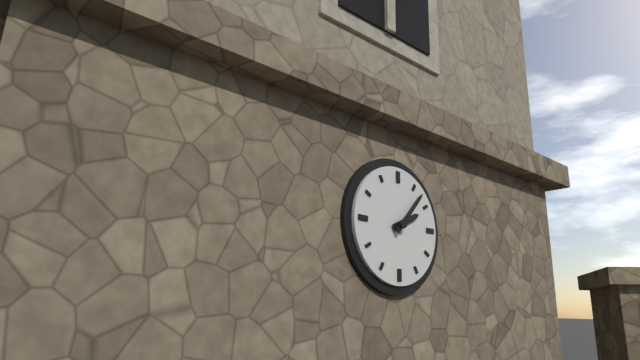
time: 2:07
